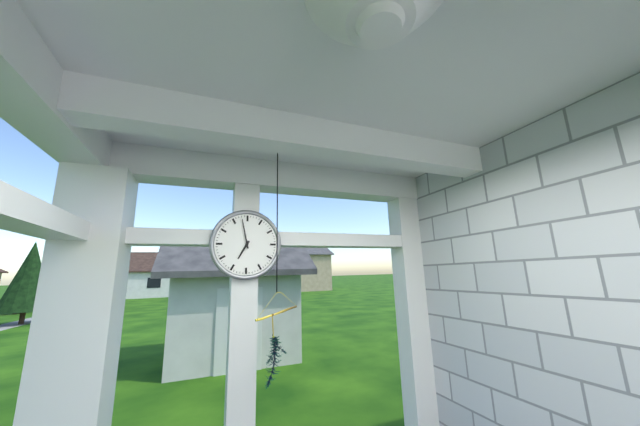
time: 6:58
